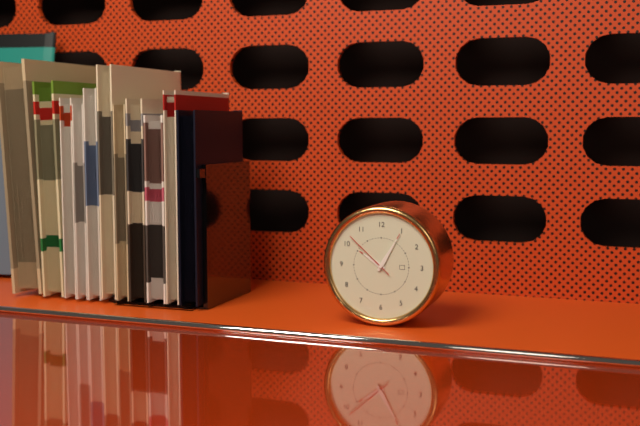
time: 10:05:52
